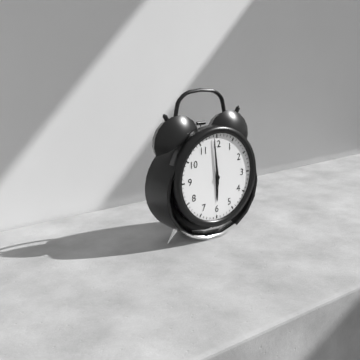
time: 5:59
